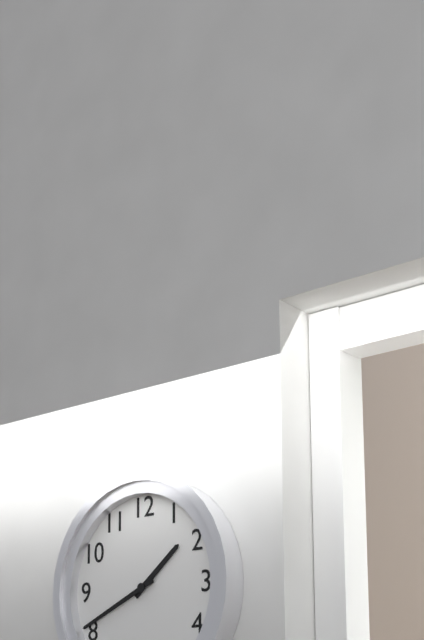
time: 1:41
